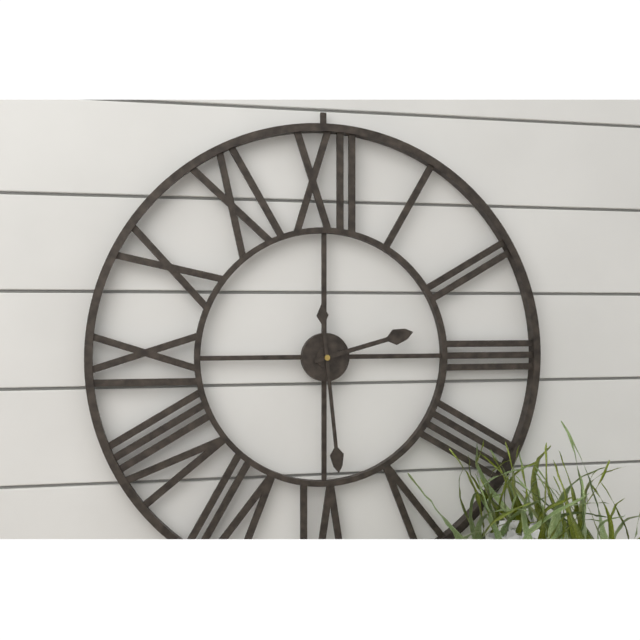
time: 2:29
